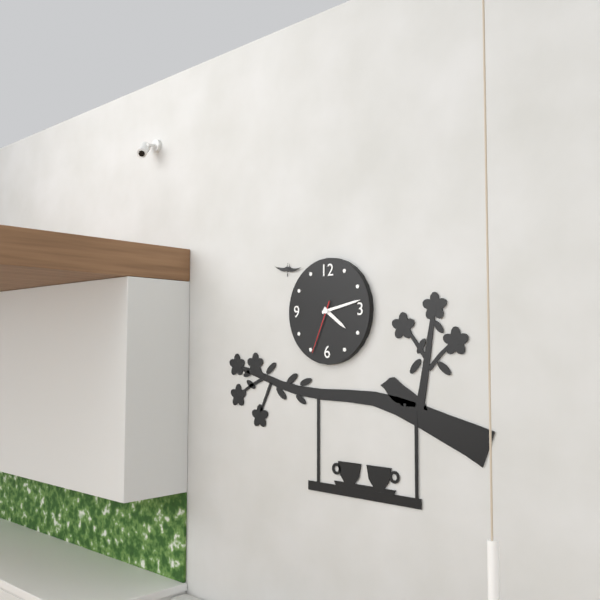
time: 4:13:34
